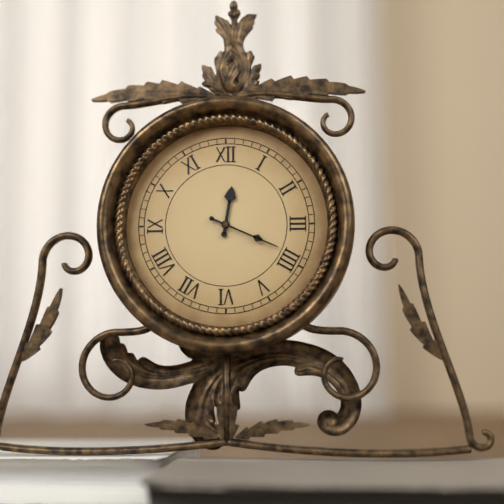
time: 12:19
